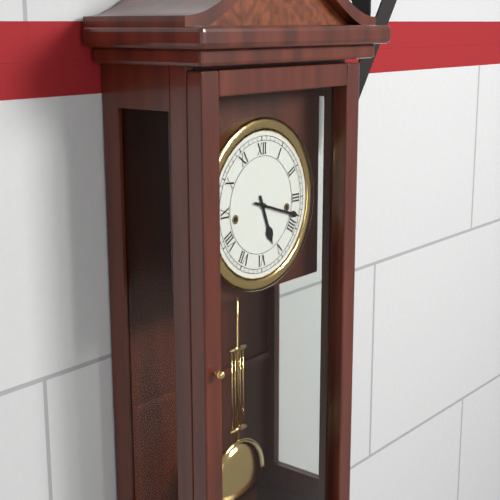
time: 5:18
